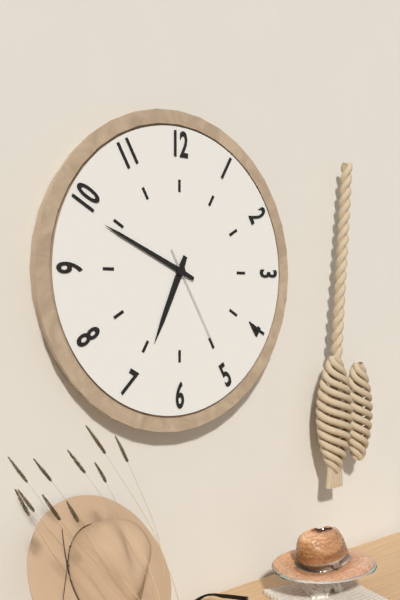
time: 6:49:25
